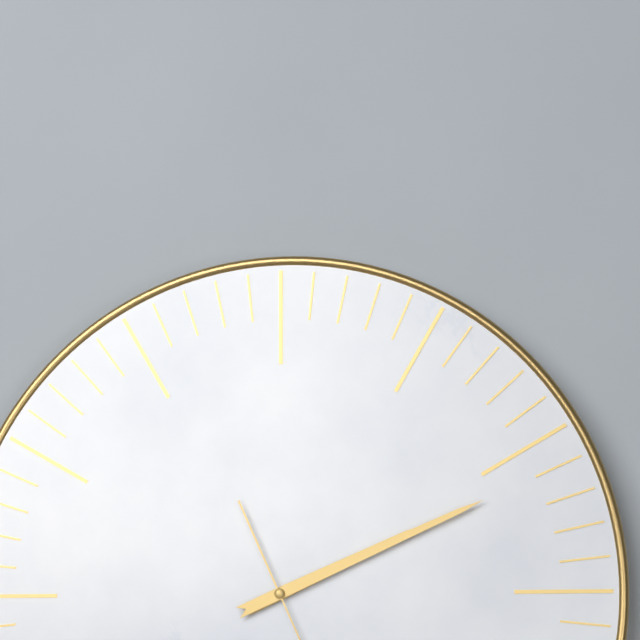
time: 2:11
